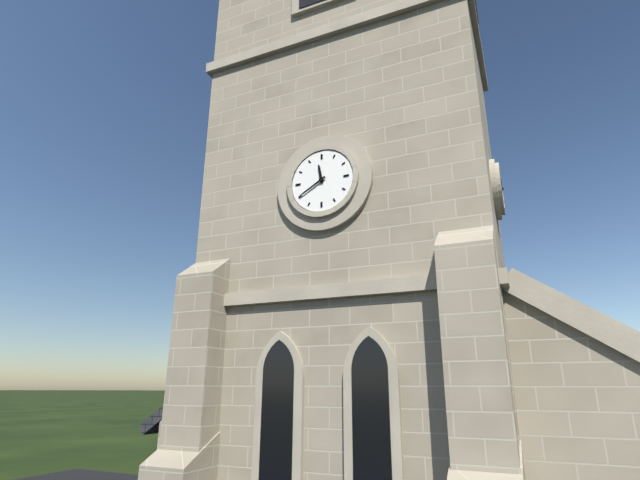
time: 11:40
